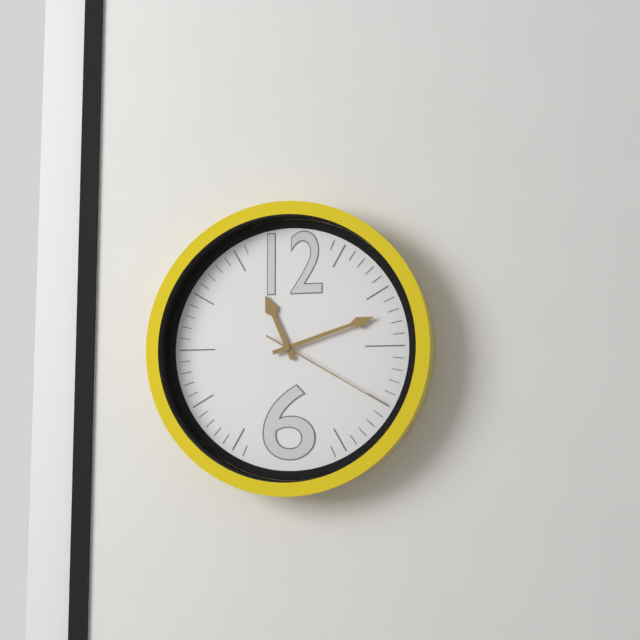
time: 11:12:20
